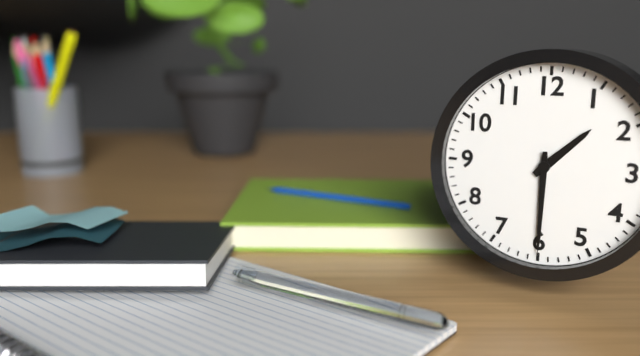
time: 1:30
